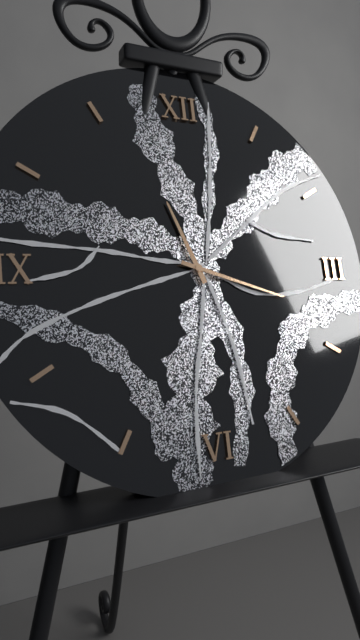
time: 11:18
